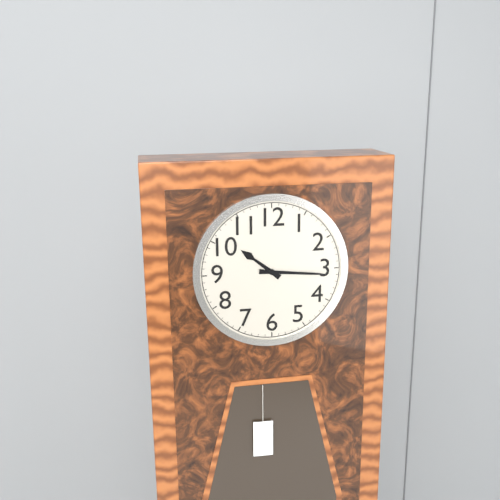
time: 10:16
